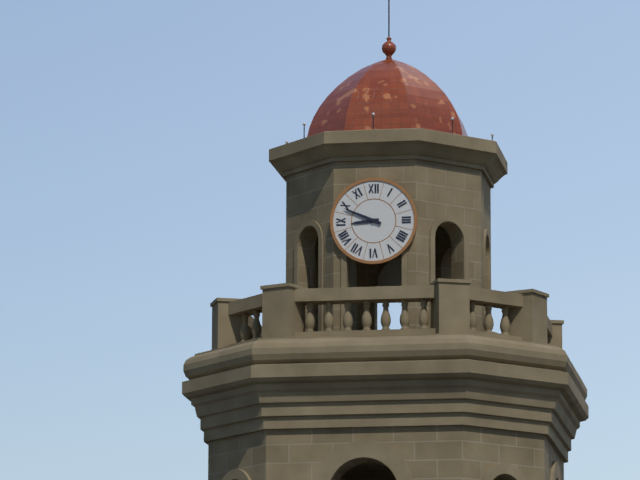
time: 8:49
